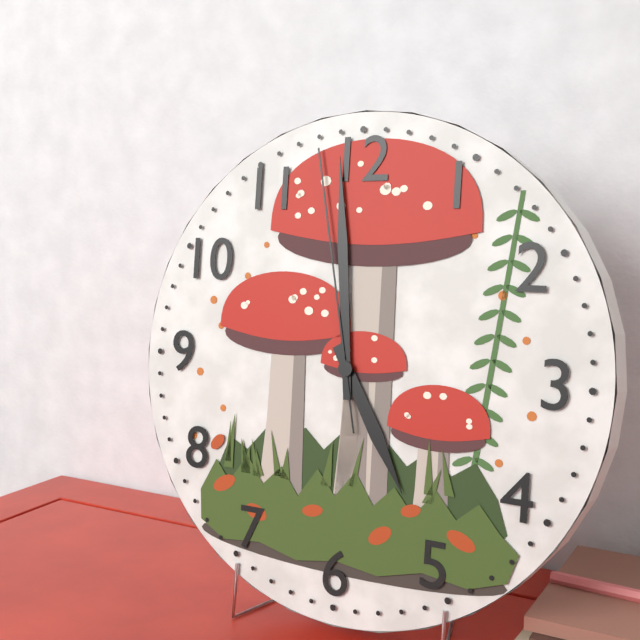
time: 4:59:58
